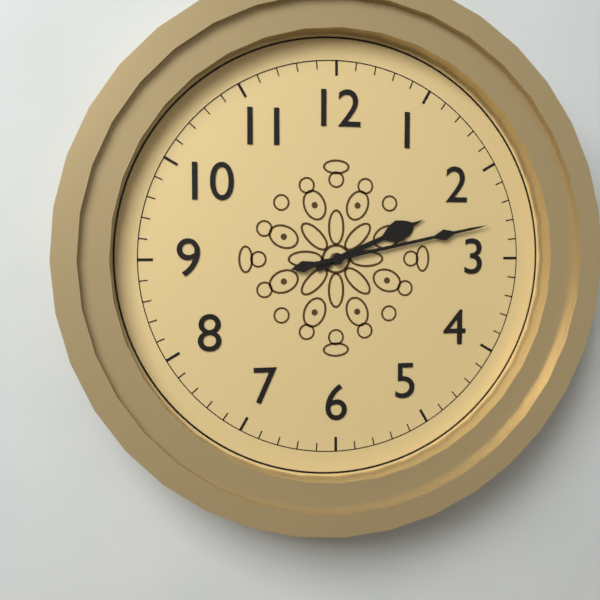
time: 2:13
